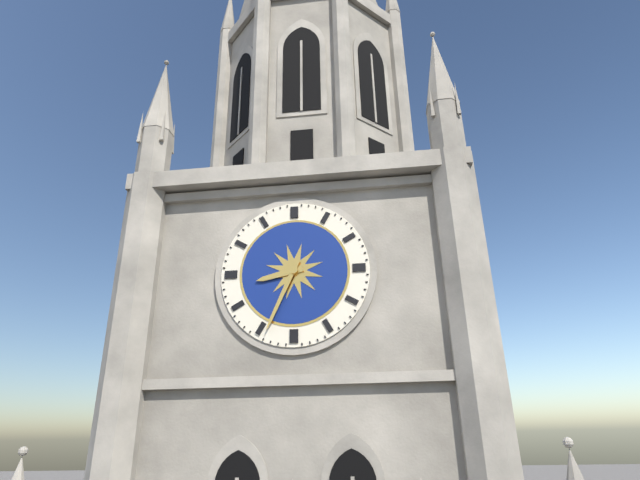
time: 8:34
